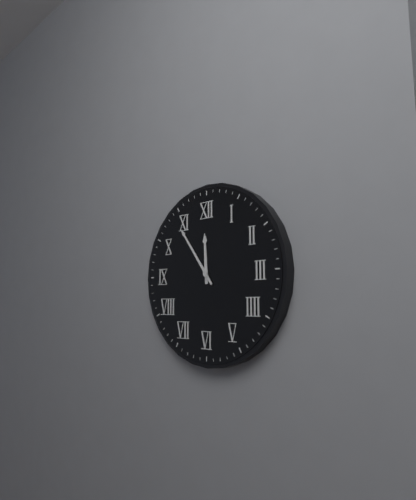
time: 11:54
